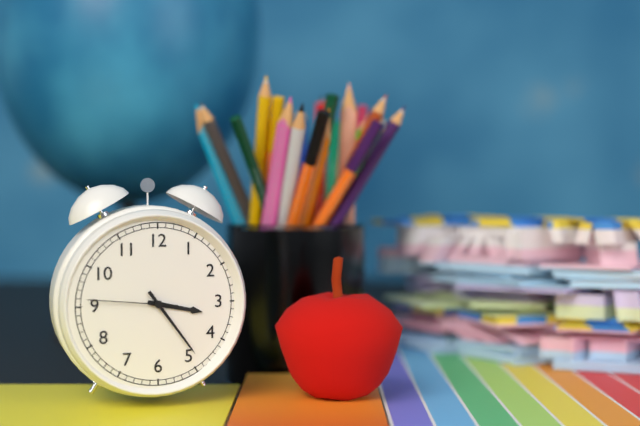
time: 3:24:46
